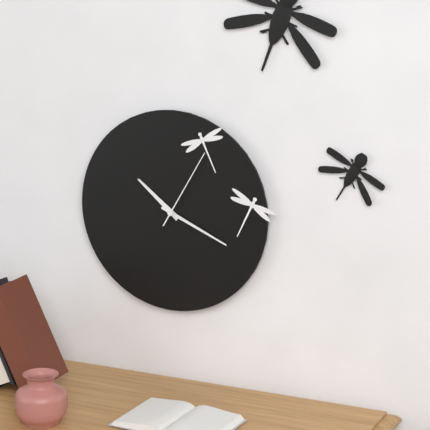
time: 10:19:05
